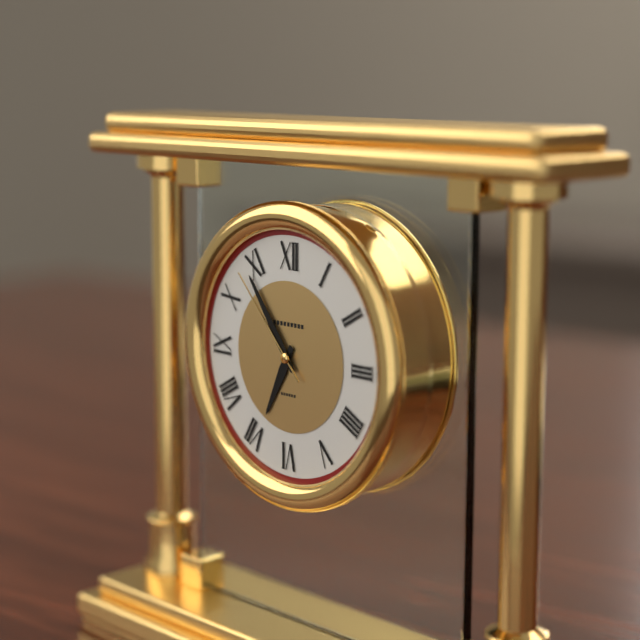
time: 6:54:53
